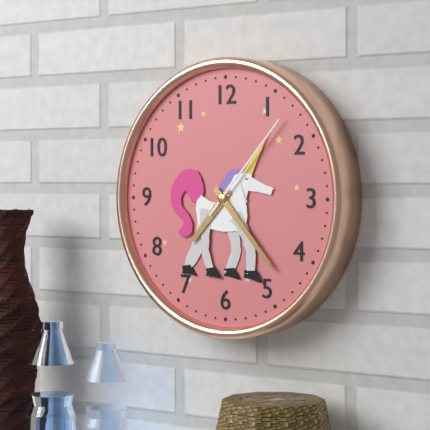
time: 7:23:07
